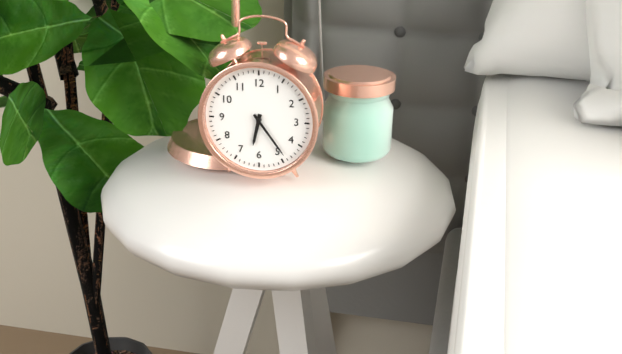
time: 6:24
